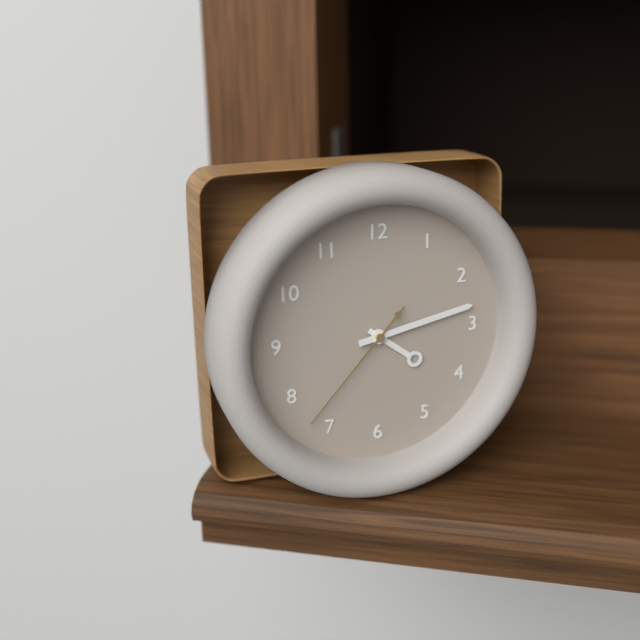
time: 4:13:37
